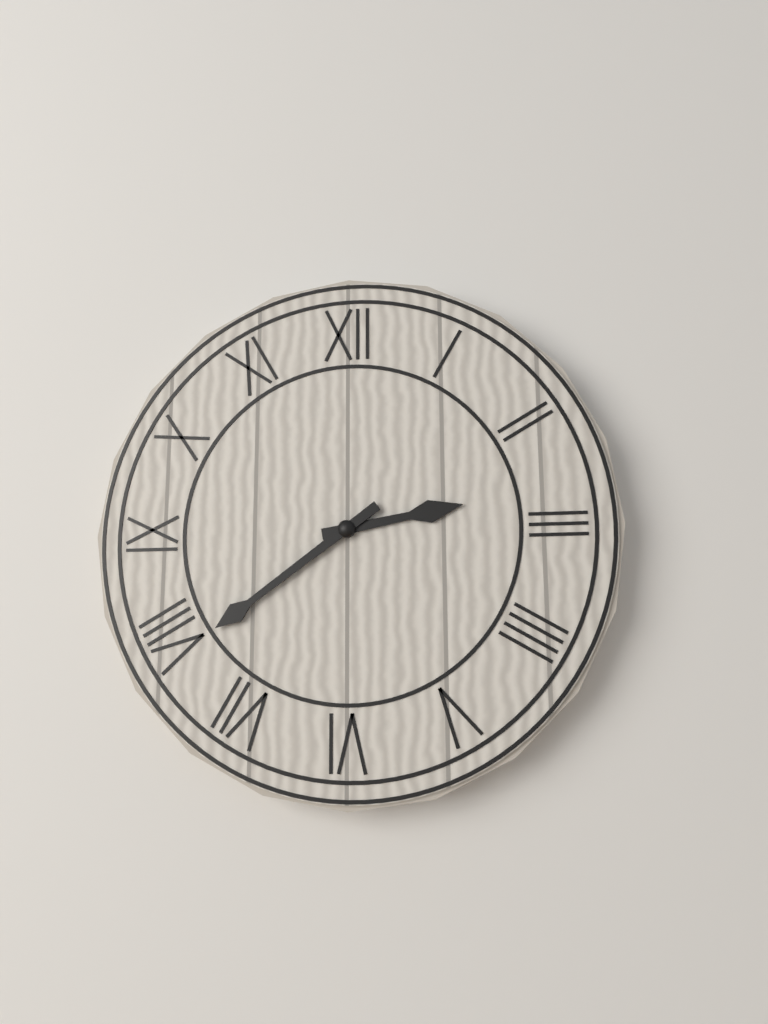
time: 2:39
